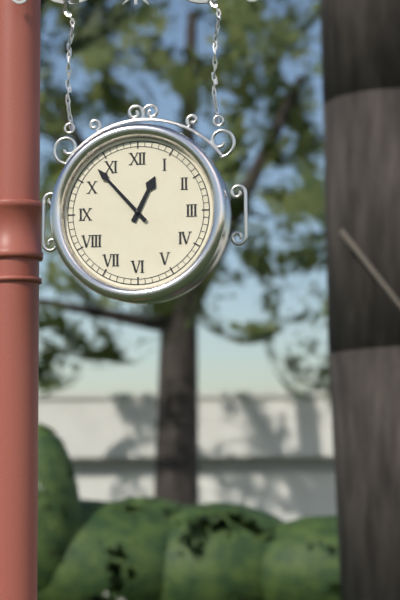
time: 12:53
